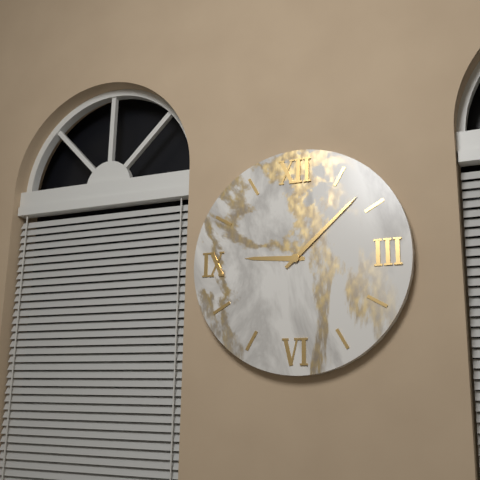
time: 9:08
